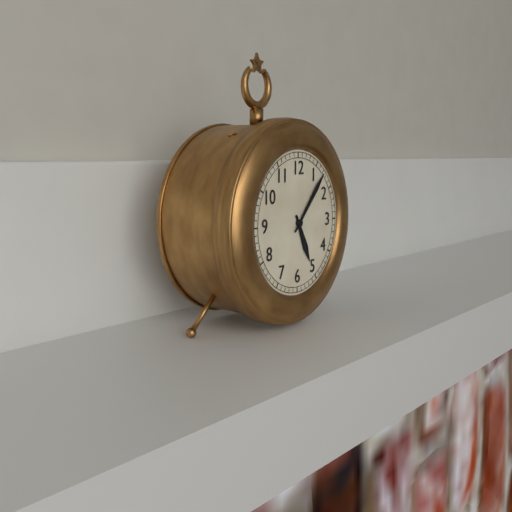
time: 5:07
